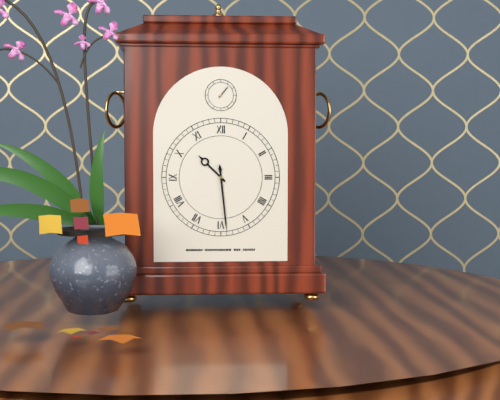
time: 10:29
